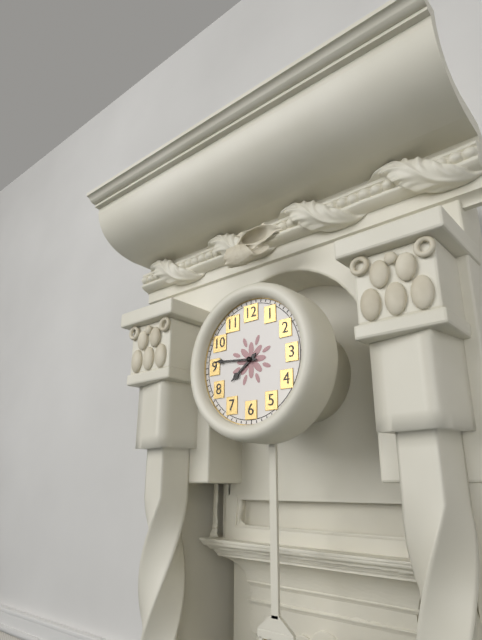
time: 7:46
